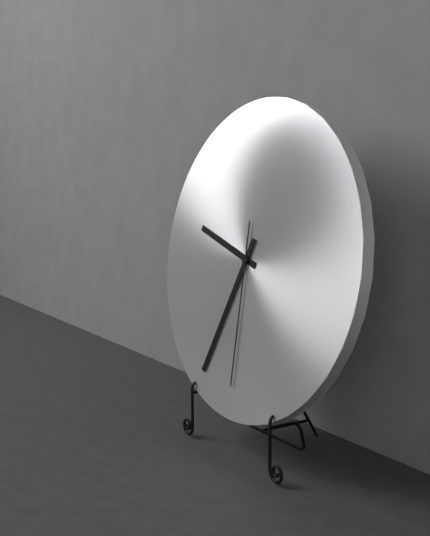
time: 9:34:30
